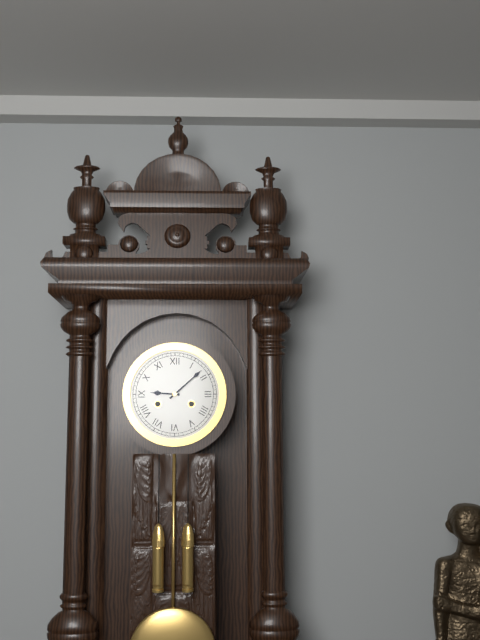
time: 9:08
